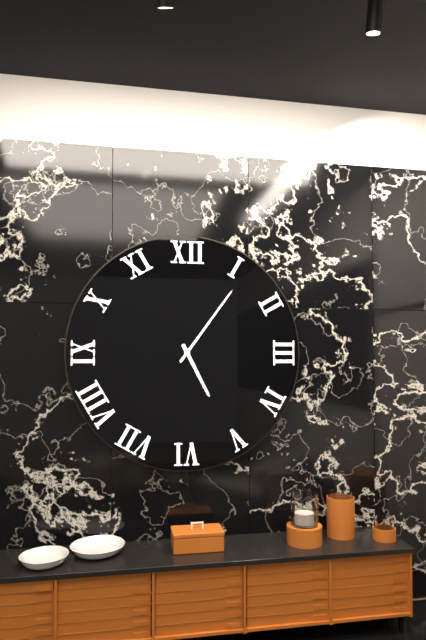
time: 5:06
